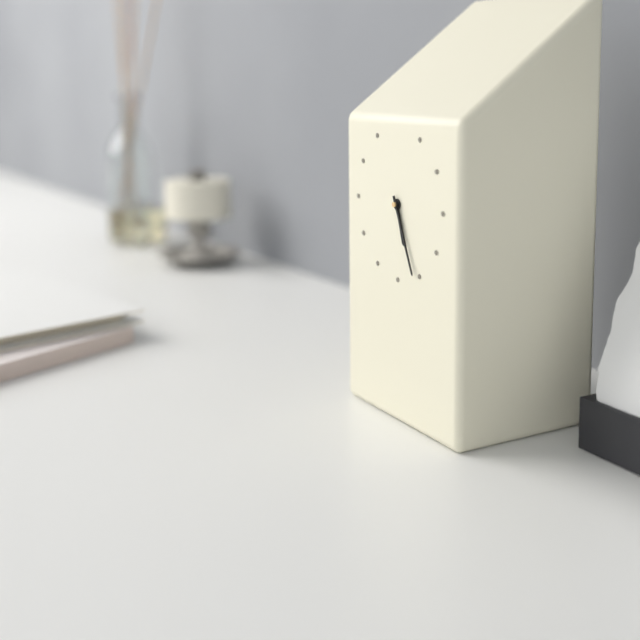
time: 5:26
